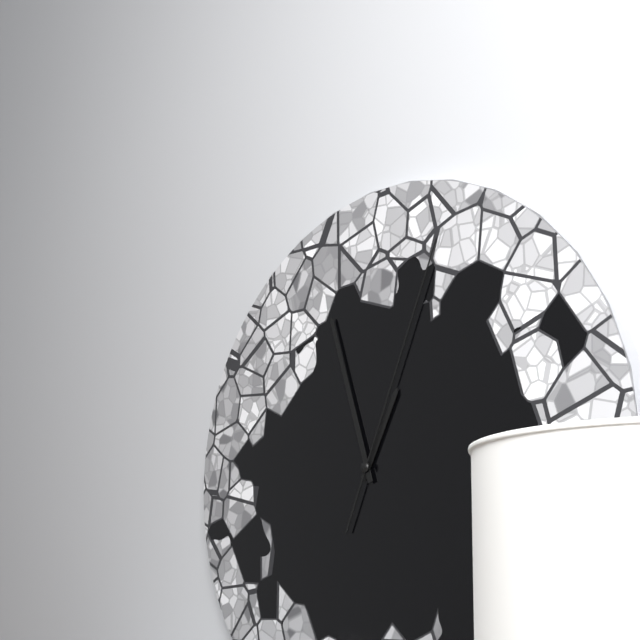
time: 12:57:04
